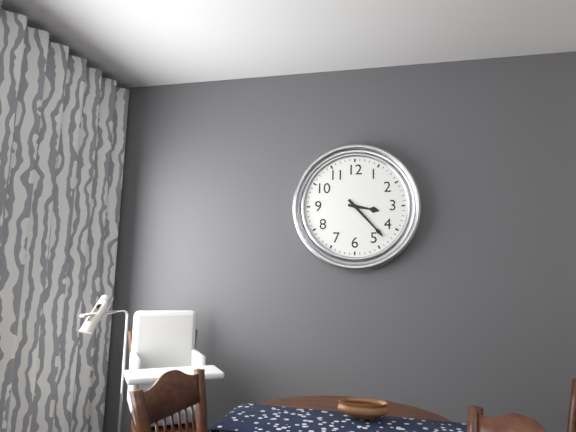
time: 3:23
